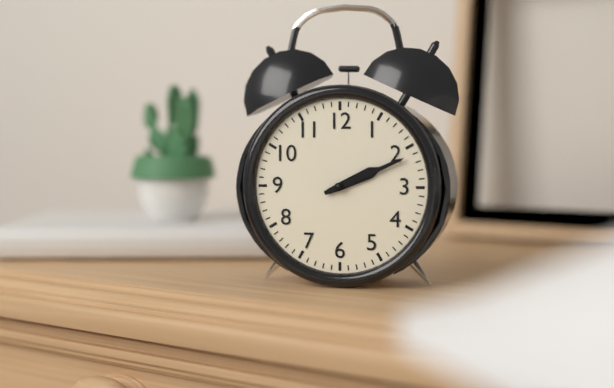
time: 2:11
